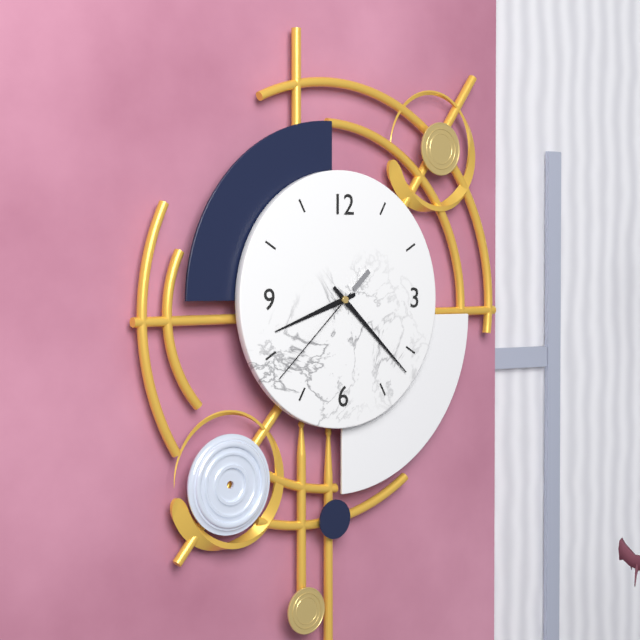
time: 8:22:38
